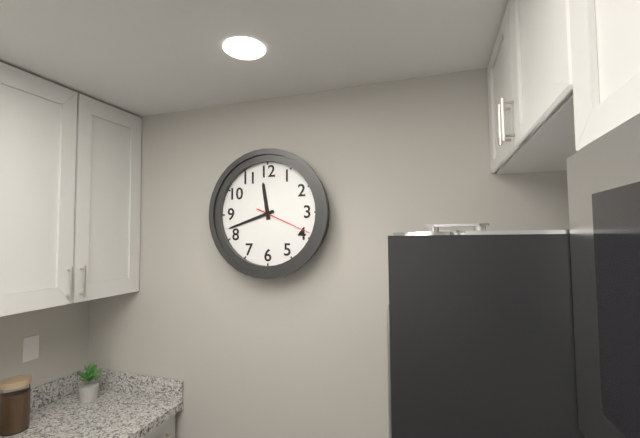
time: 11:42:19
